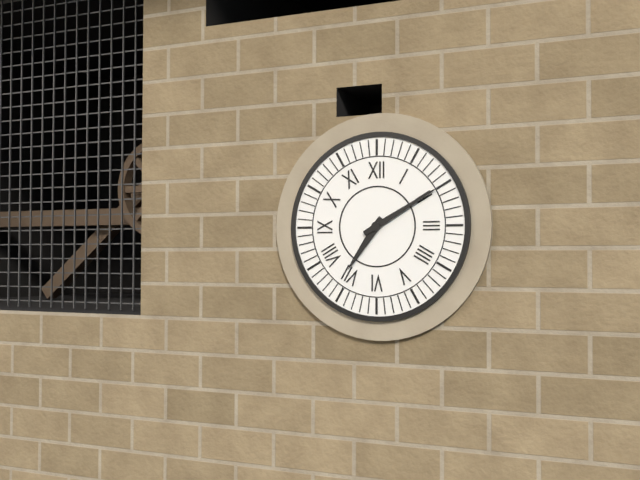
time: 7:10
